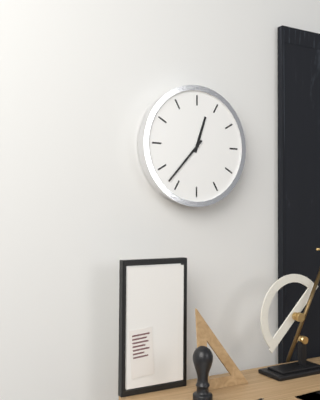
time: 12:37
